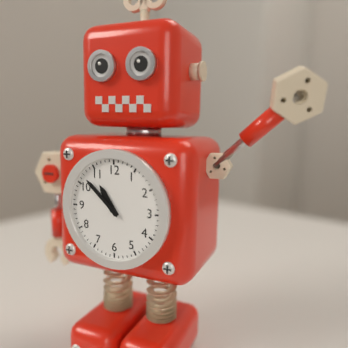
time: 10:52
